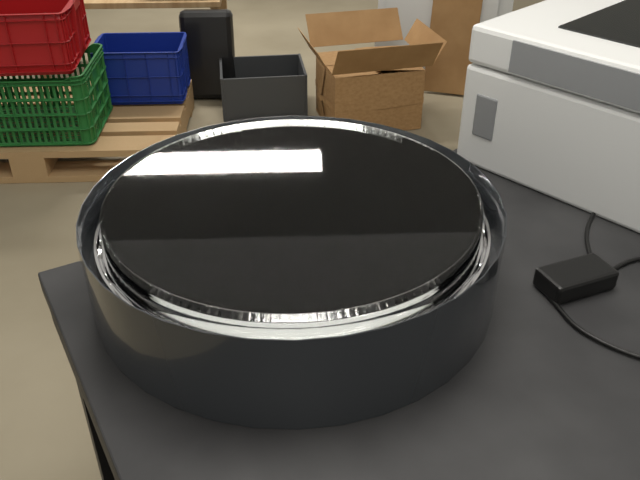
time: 1:54
